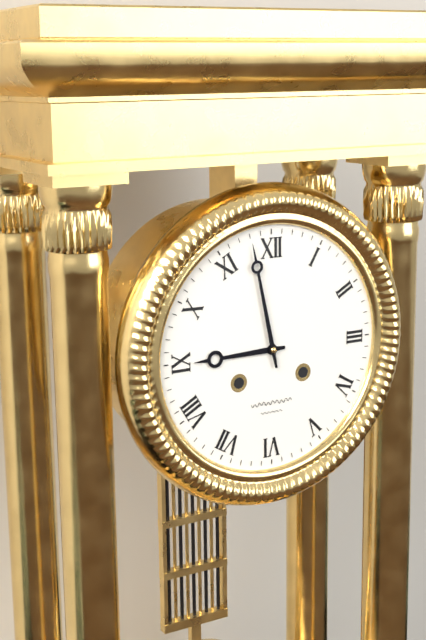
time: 8:58
